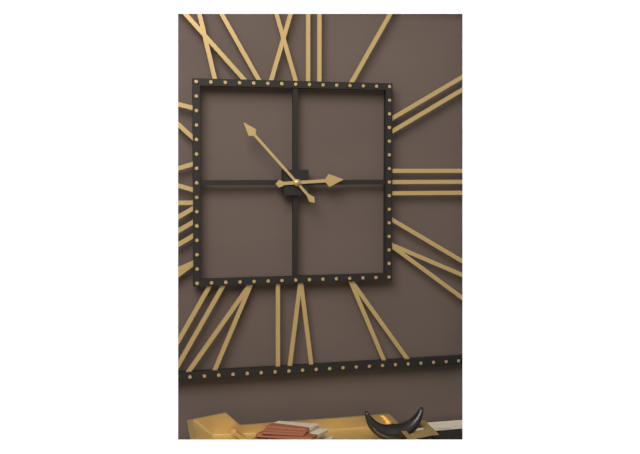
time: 2:53
